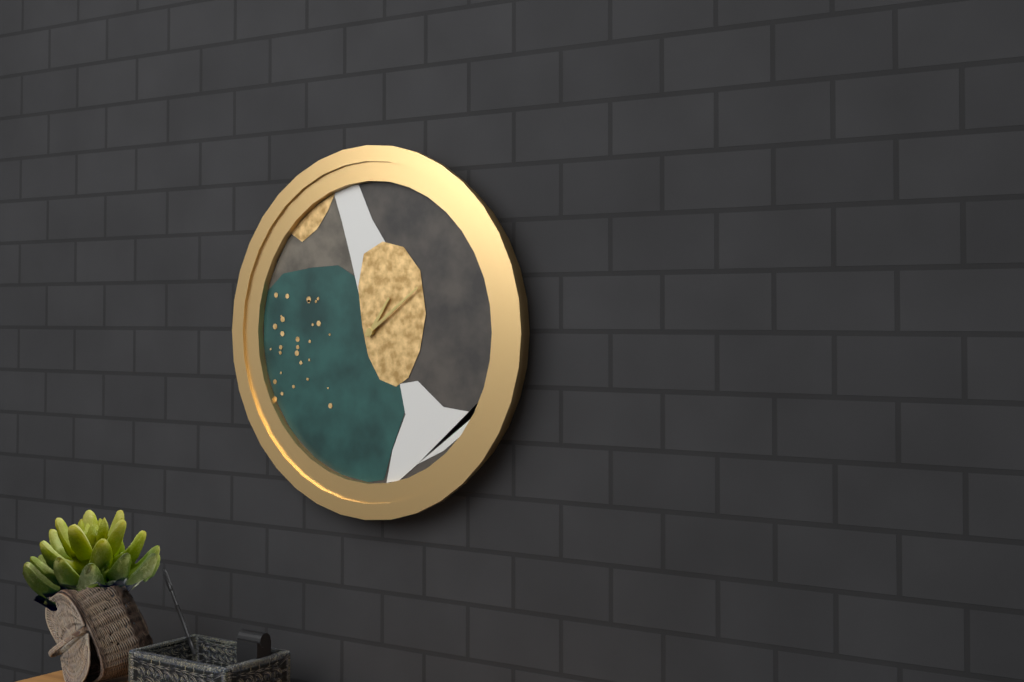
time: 1:09
